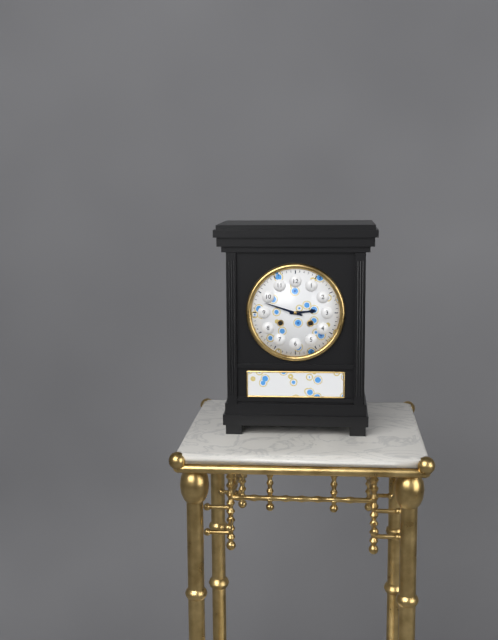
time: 2:48
